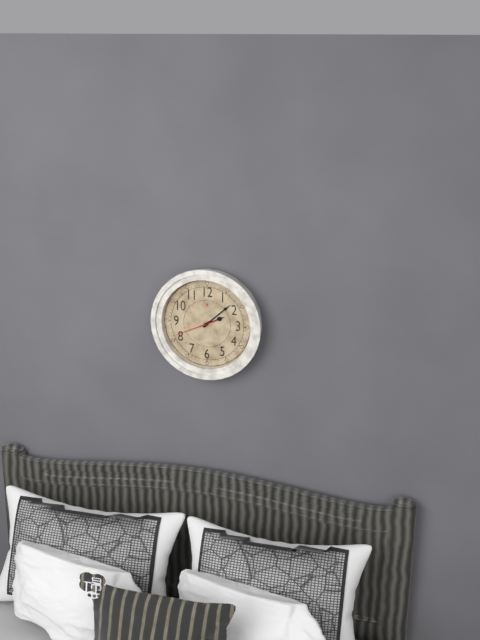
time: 2:08
